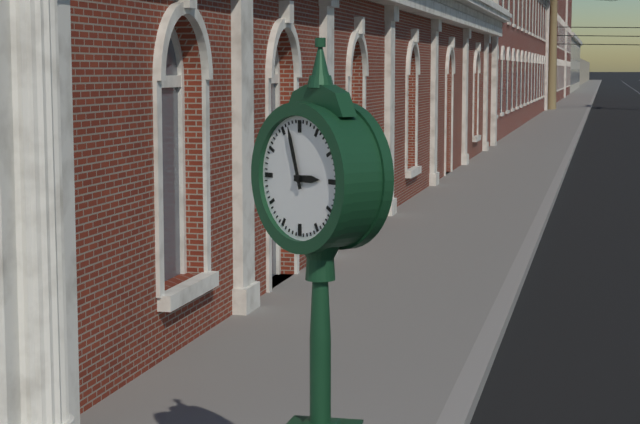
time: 2:57
